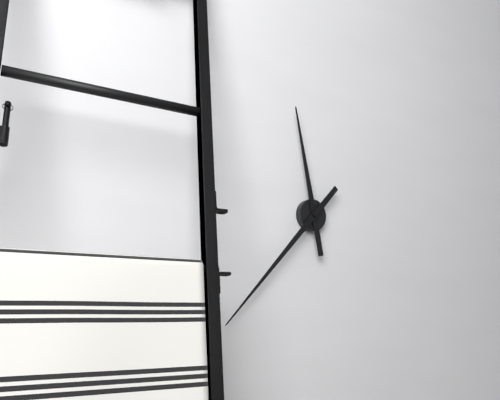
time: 11:37
